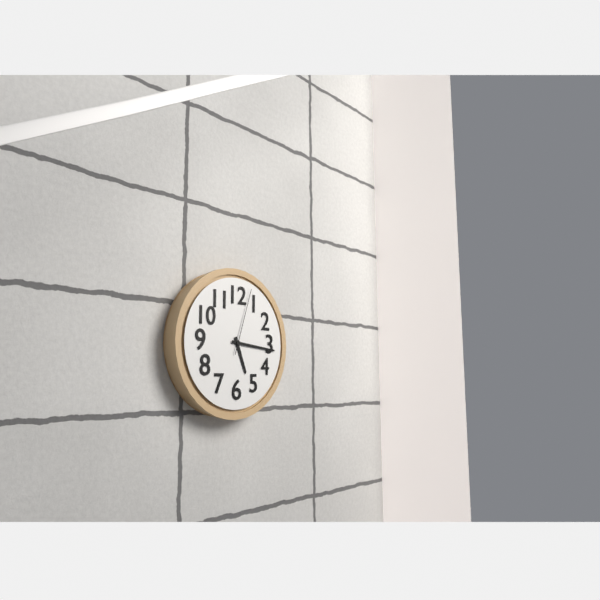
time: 5:16:03
